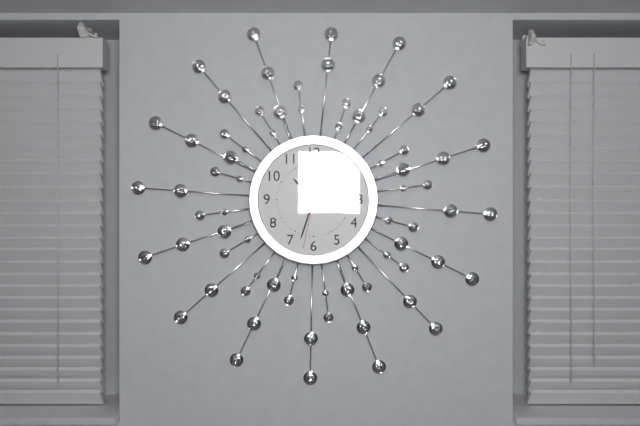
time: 10:33:32
